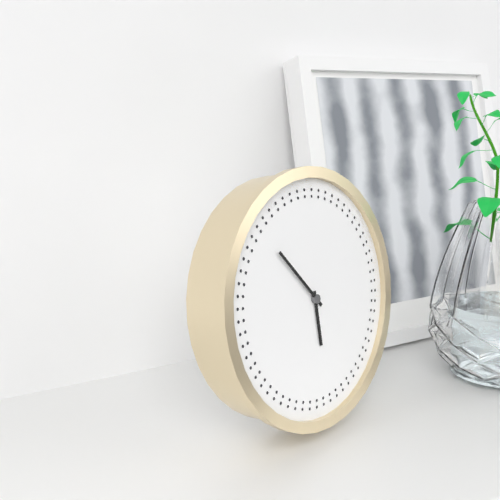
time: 5:53
